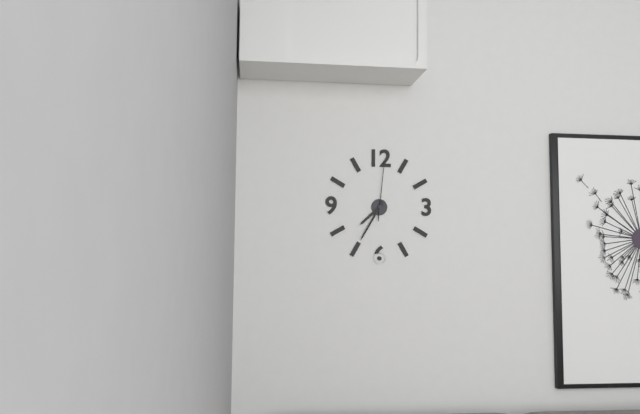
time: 7:35:01
